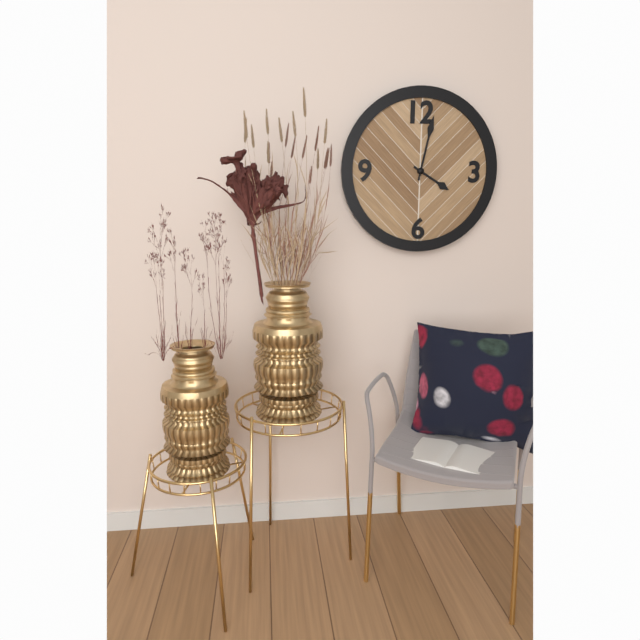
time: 4:02
